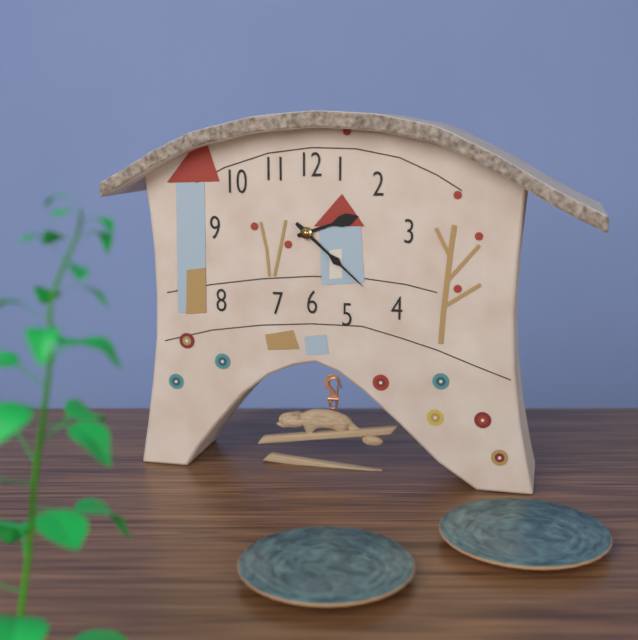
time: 2:22
